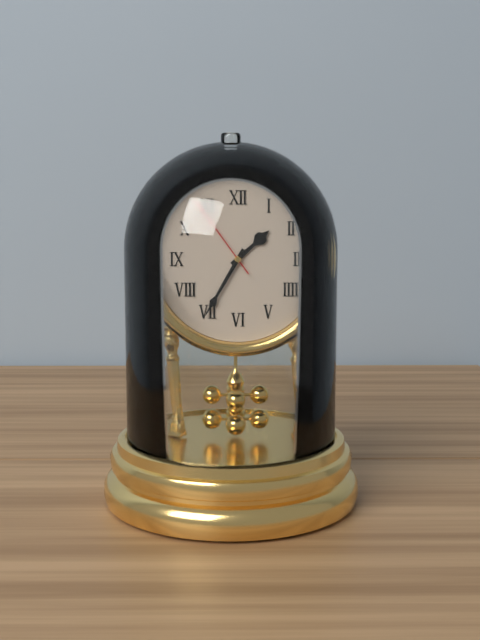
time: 1:35:54
